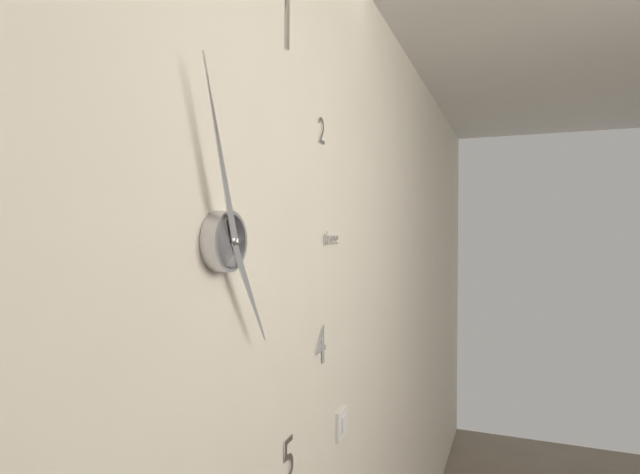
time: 4:57
